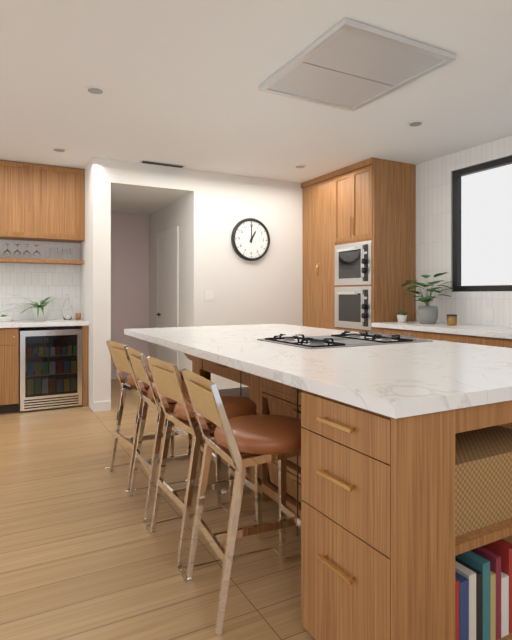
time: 1:00
